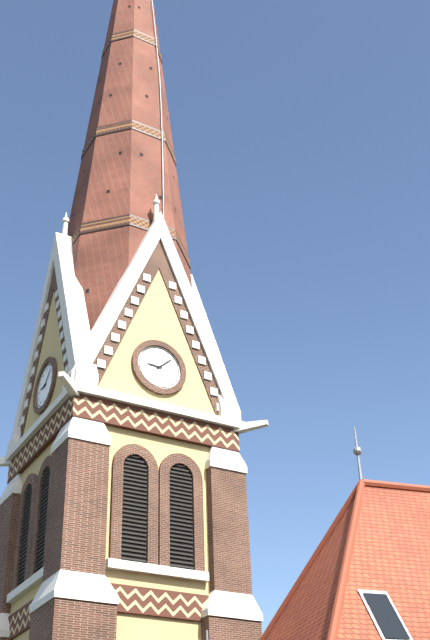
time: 9:08
